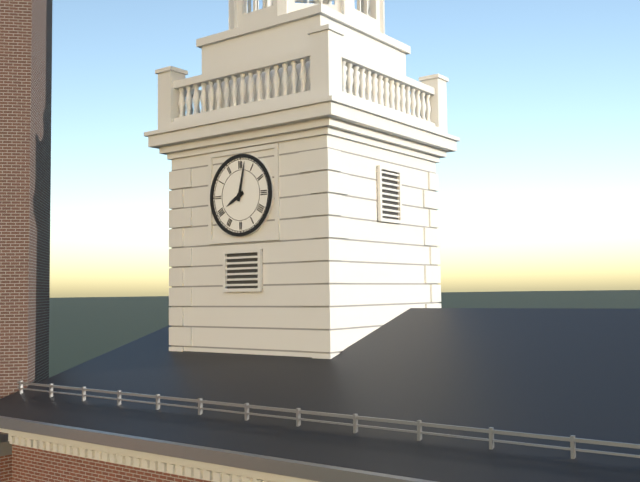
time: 8:02
